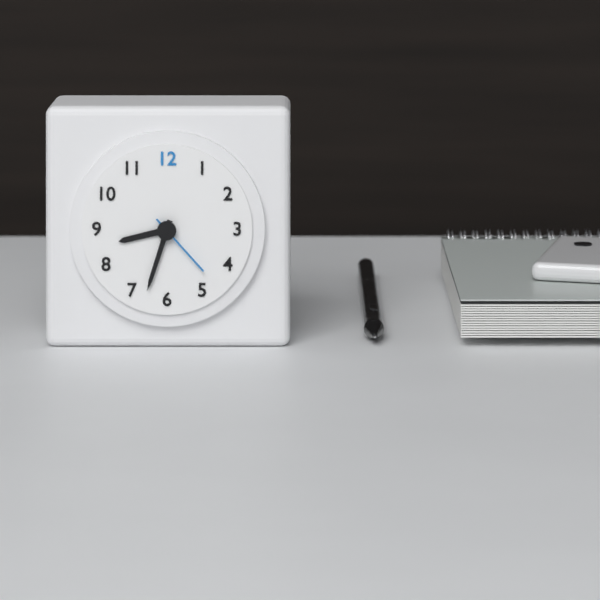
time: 8:33:23
